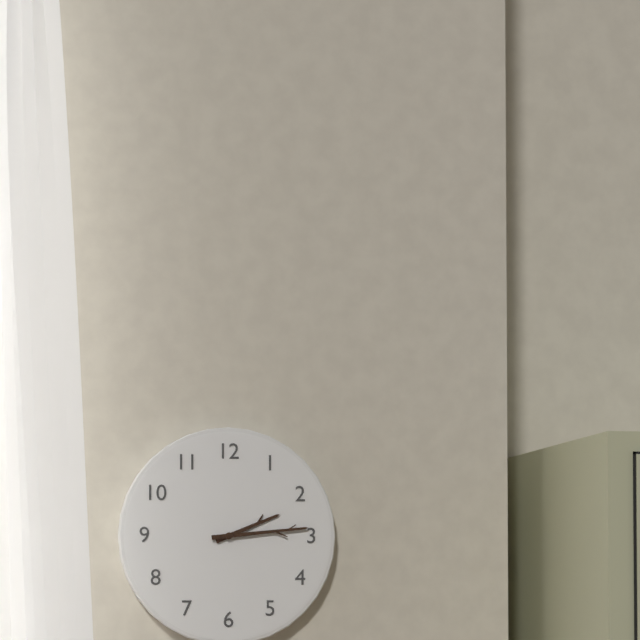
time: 2:14
